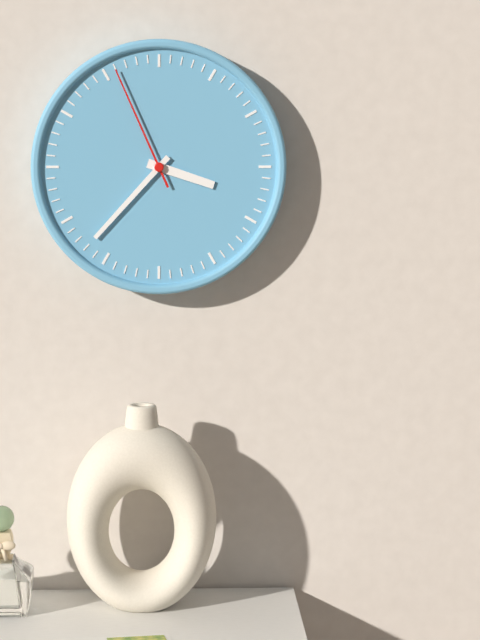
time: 3:37:56
